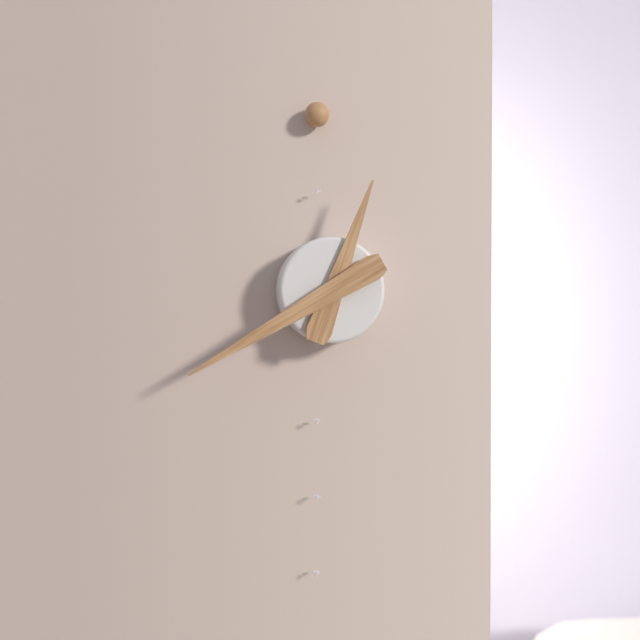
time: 12:40
